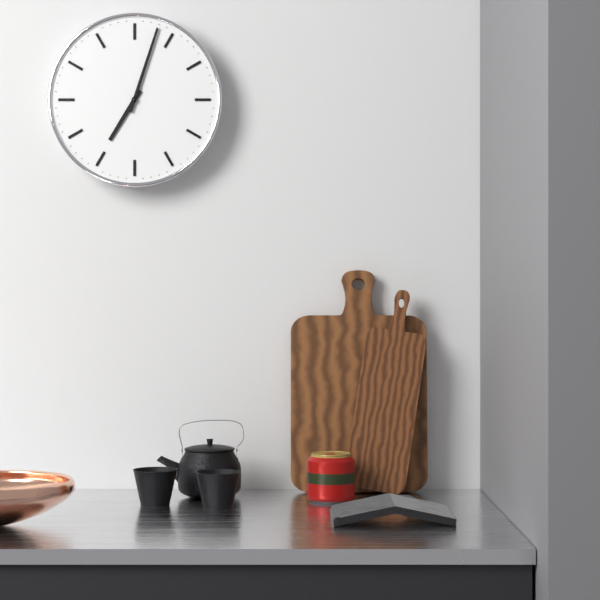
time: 7:03
